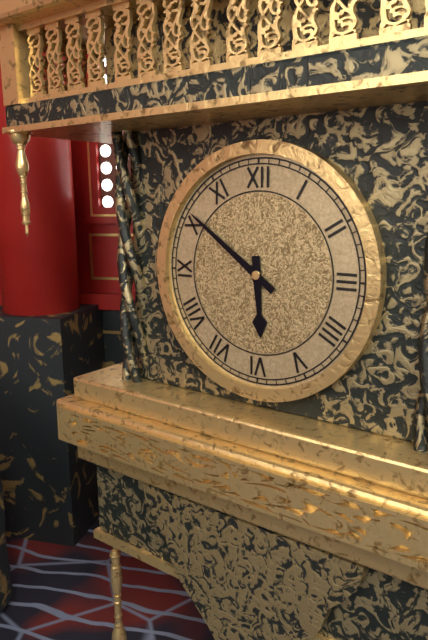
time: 5:51
